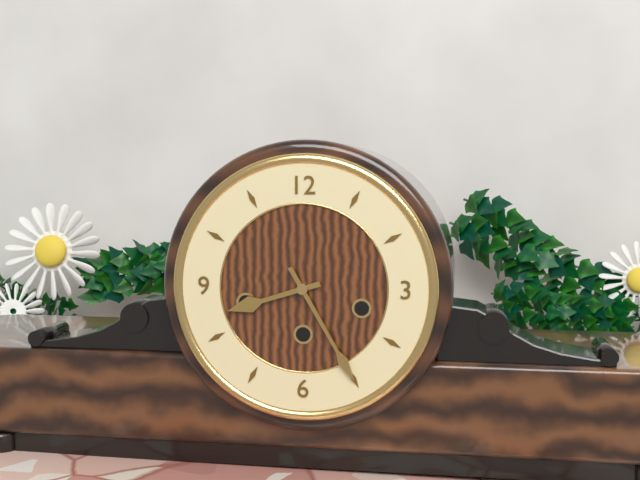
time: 8:25
